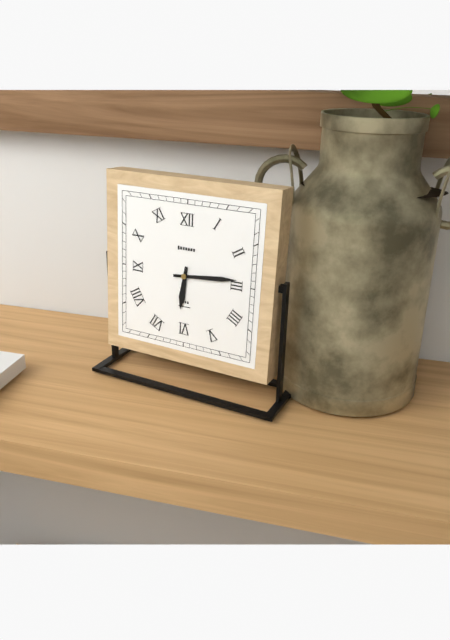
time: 6:14
